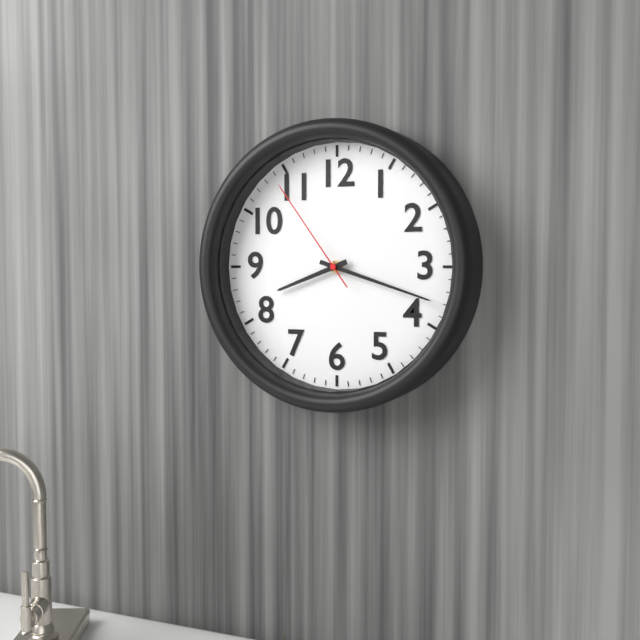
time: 8:18:54
